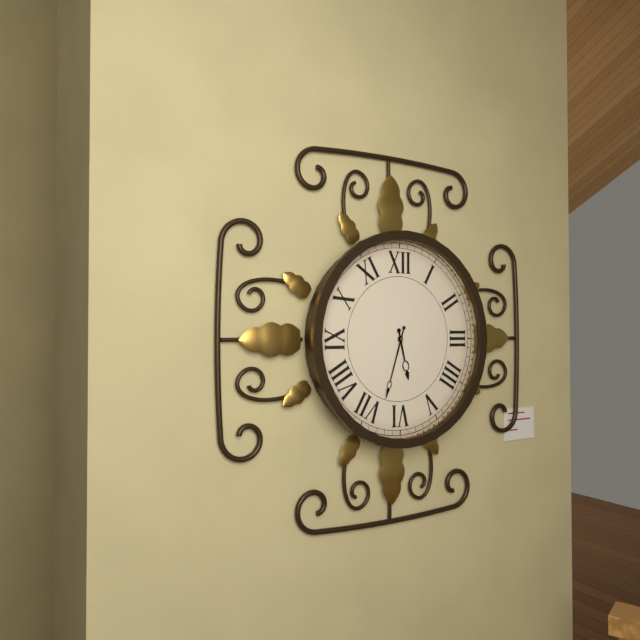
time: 5:33
